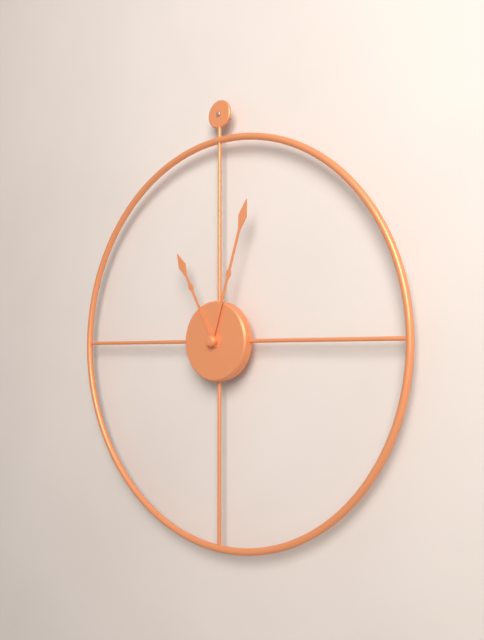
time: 11:03
